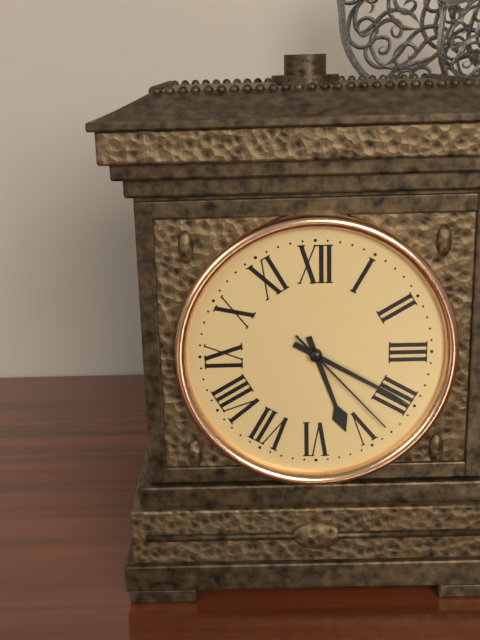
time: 5:20:23
